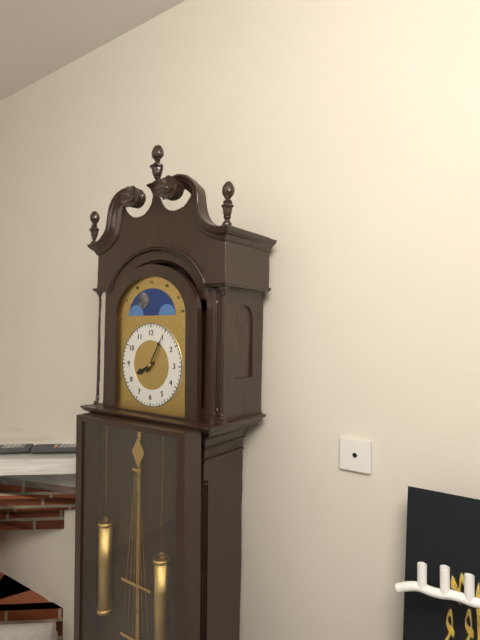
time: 8:05
